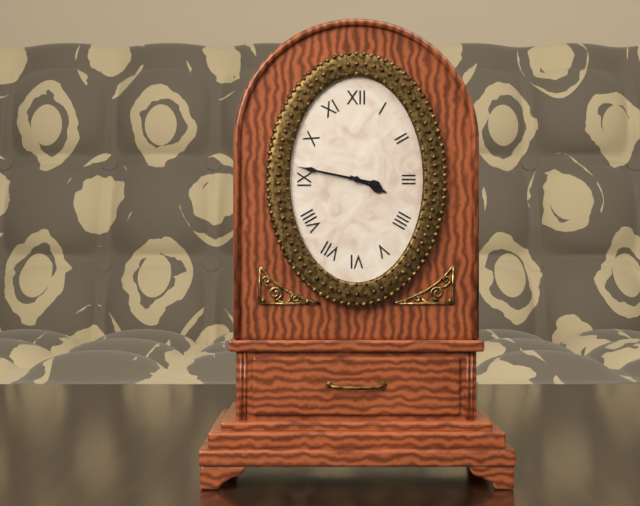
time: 3:47
